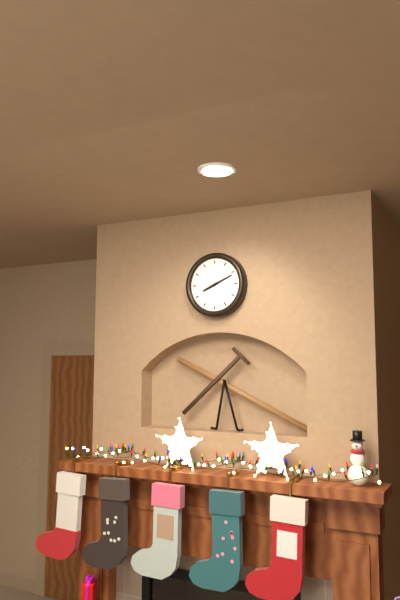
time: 8:11
